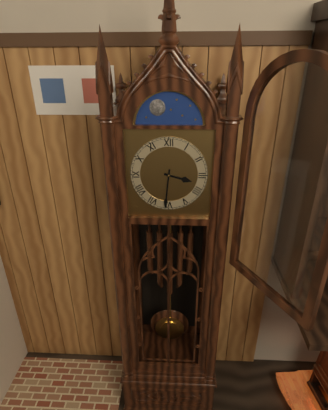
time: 3:31
